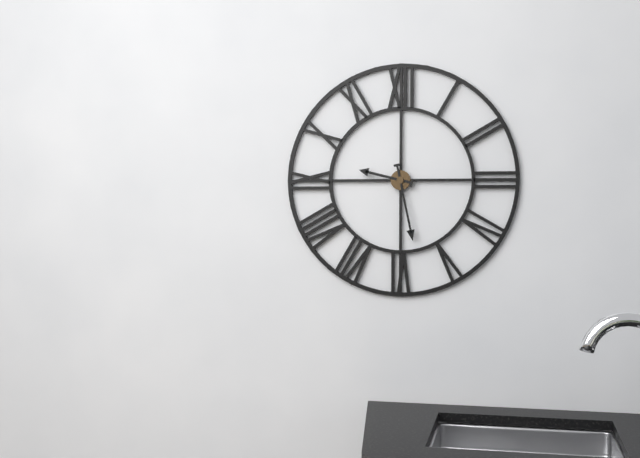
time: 9:28
